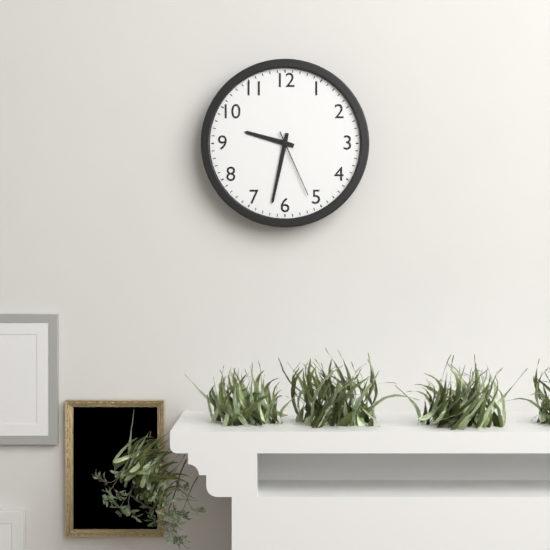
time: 9:32:26
